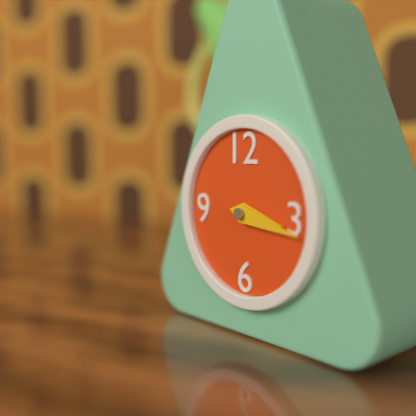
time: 3:17
